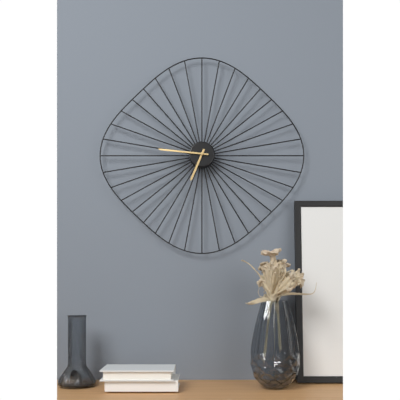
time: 6:46
